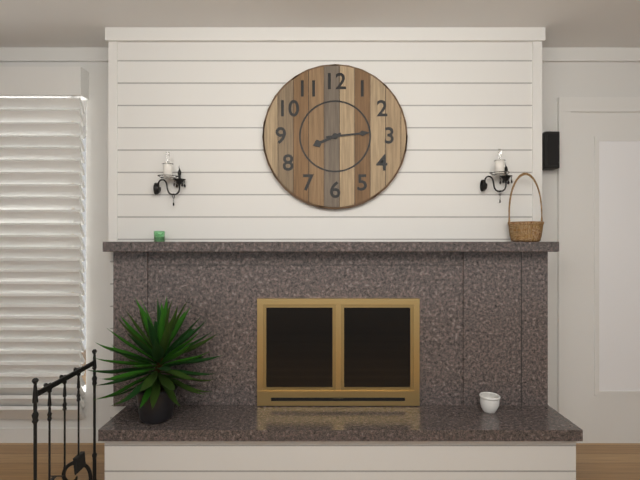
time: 8:14
